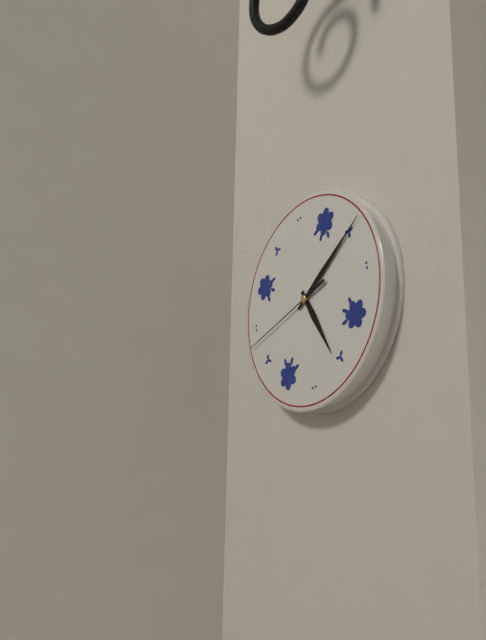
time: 5:10:43
